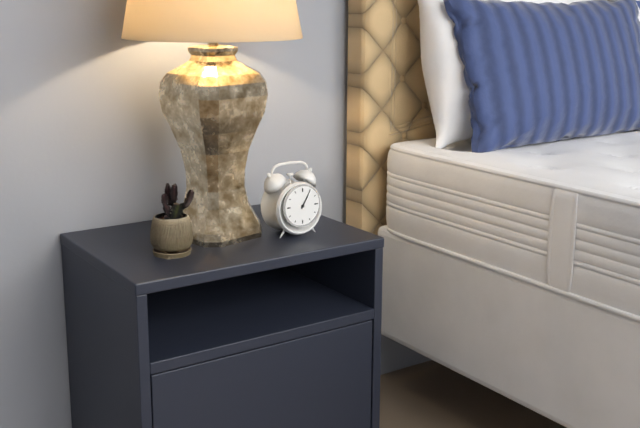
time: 1:05
